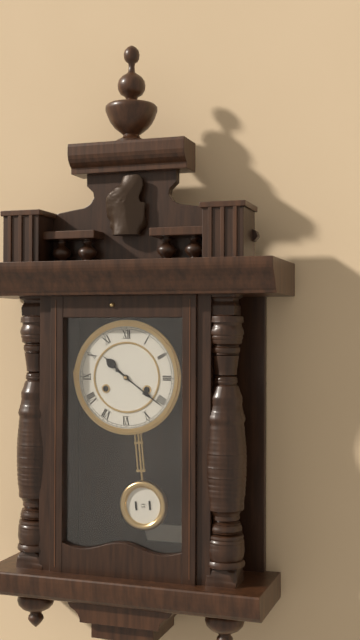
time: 10:21
